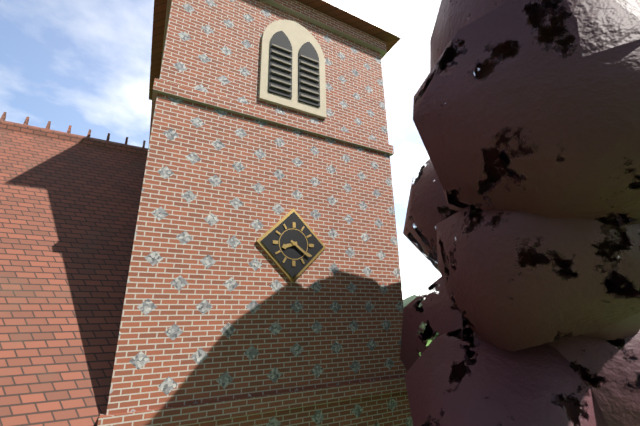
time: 8:21
